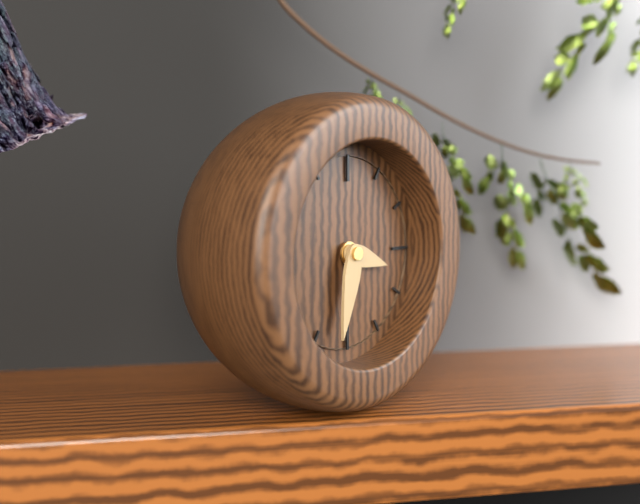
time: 3:32
